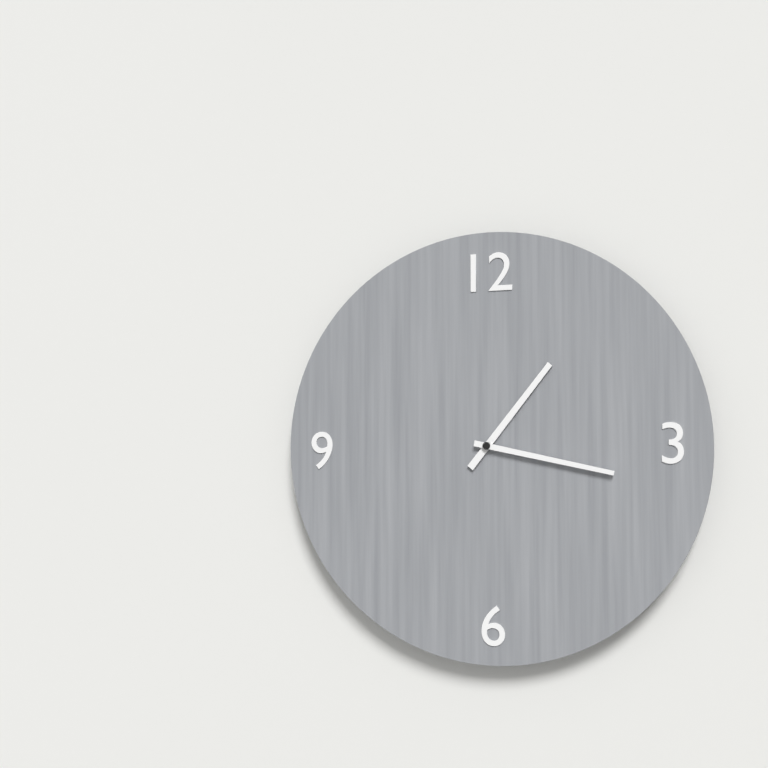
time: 1:17
